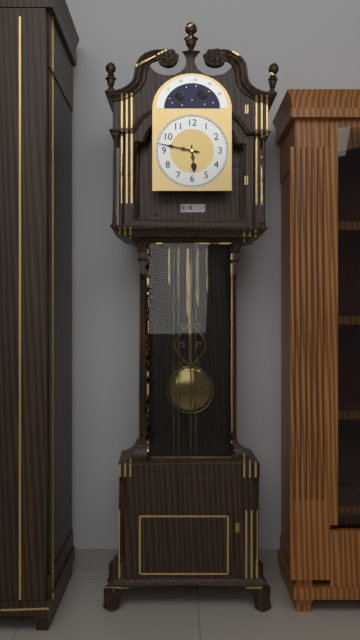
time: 5:47
